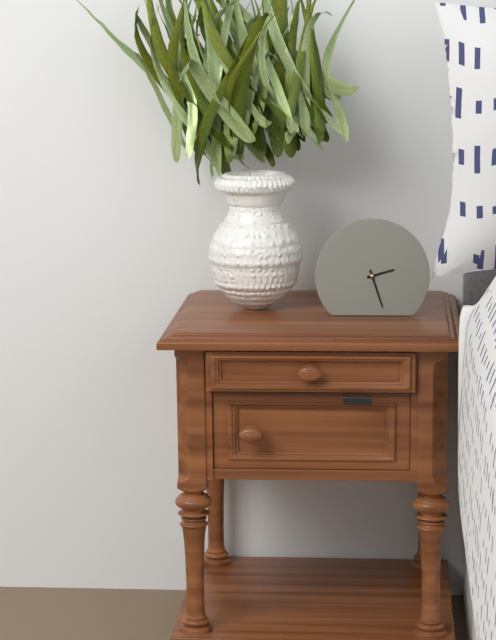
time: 2:27
